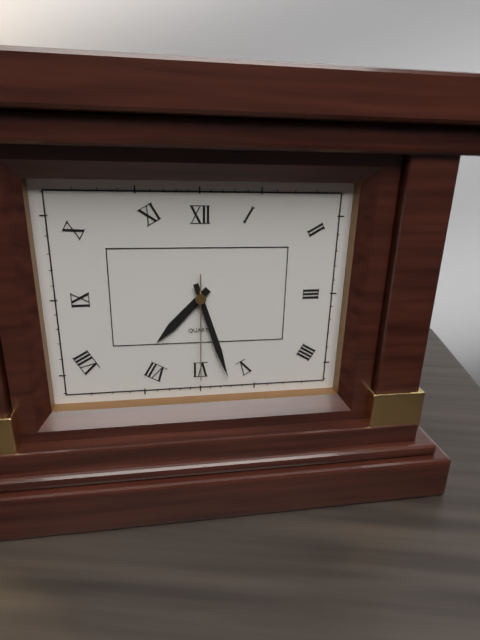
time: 7:27:30
